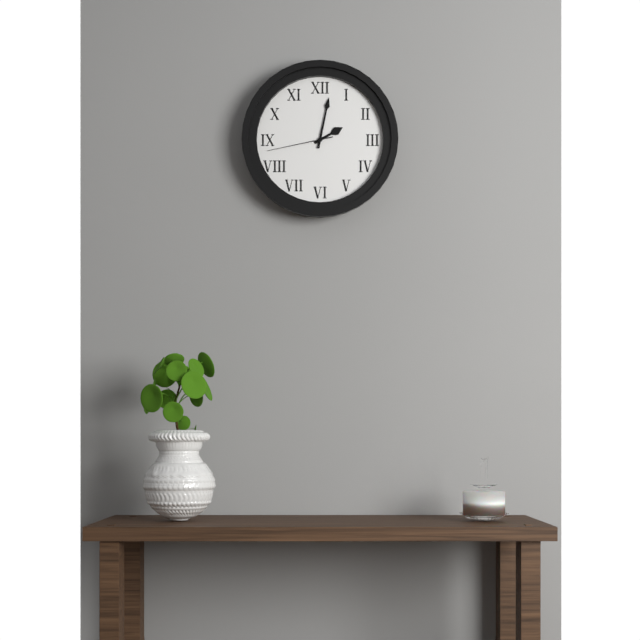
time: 2:02:43
